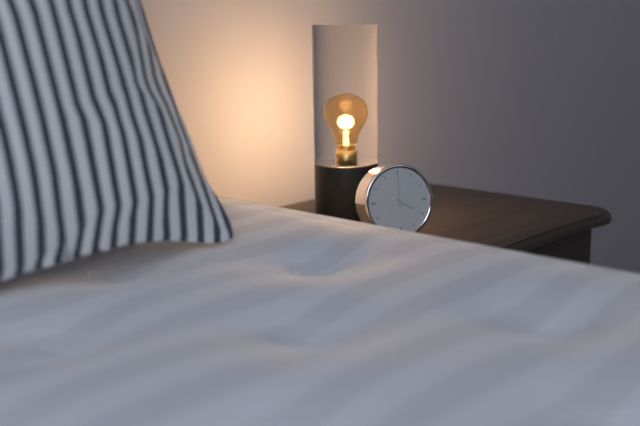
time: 4:00
